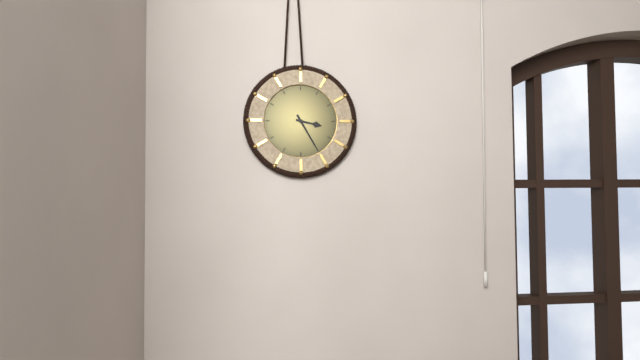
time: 3:25
